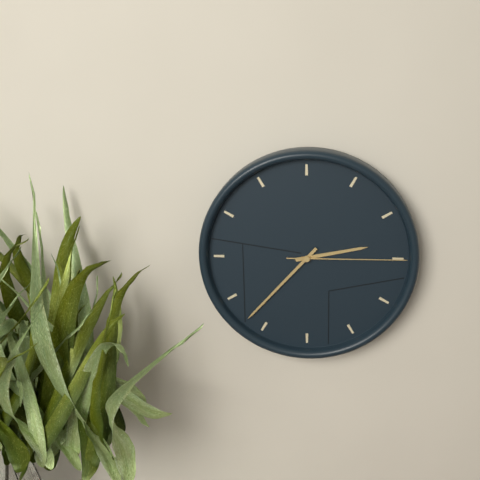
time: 2:37:15
